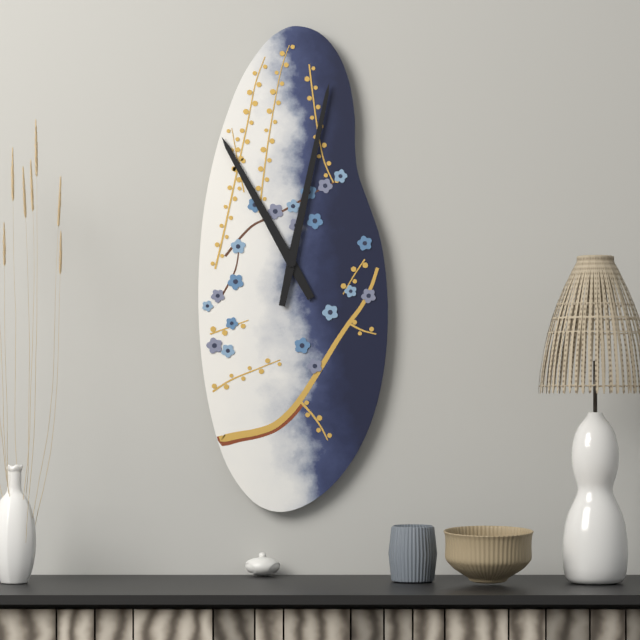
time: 11:02
